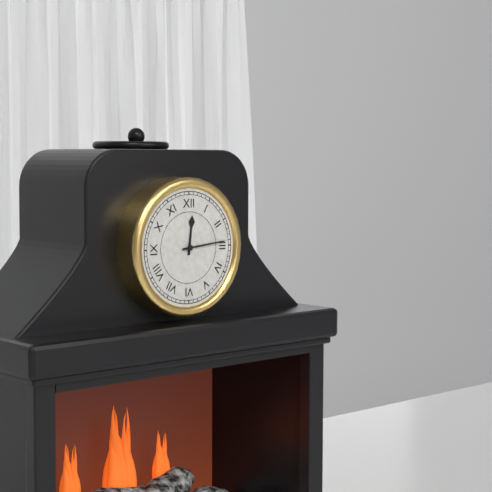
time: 12:14
